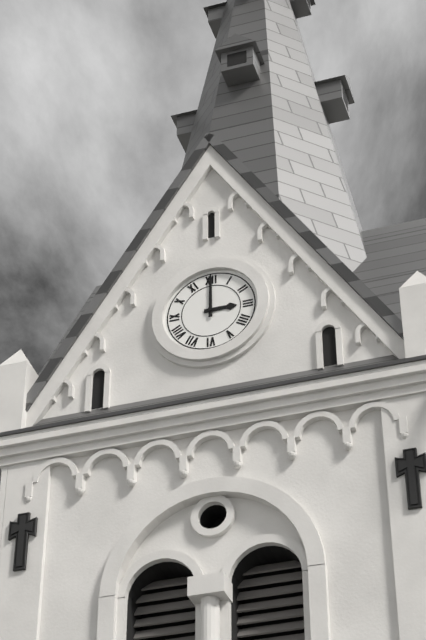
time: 3:00
